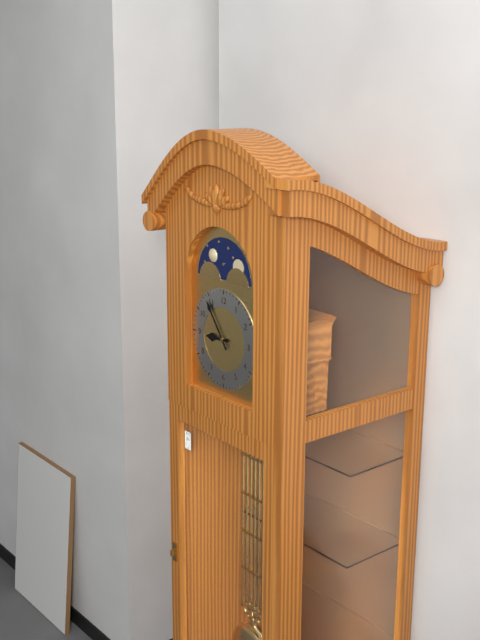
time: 8:54
